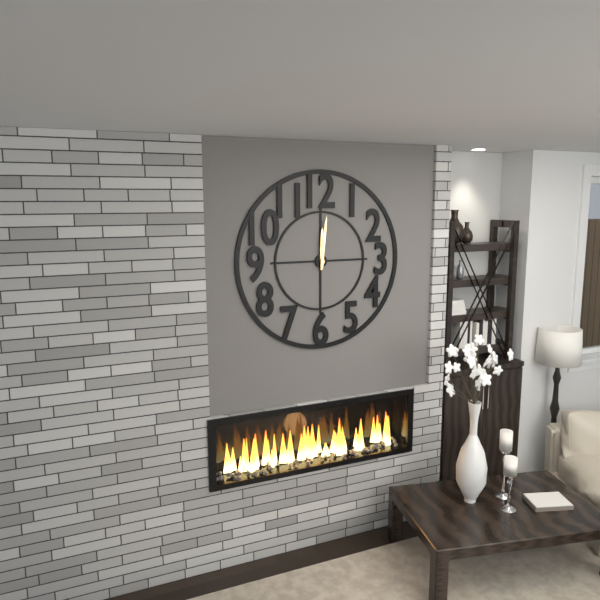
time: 12:01
